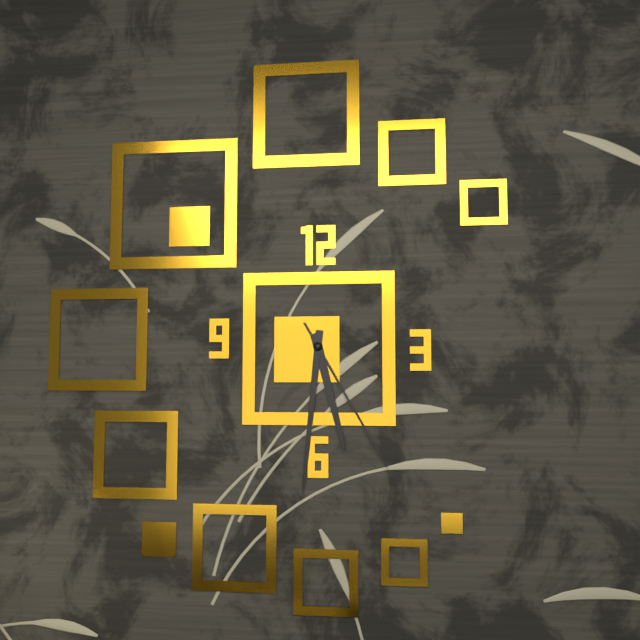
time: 5:31:25
